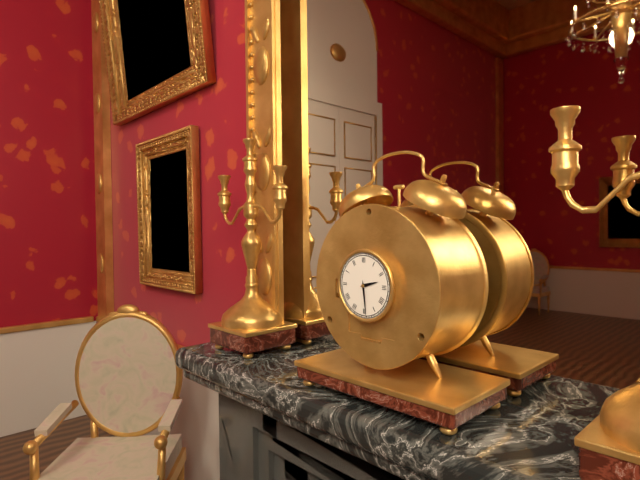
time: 2:29
